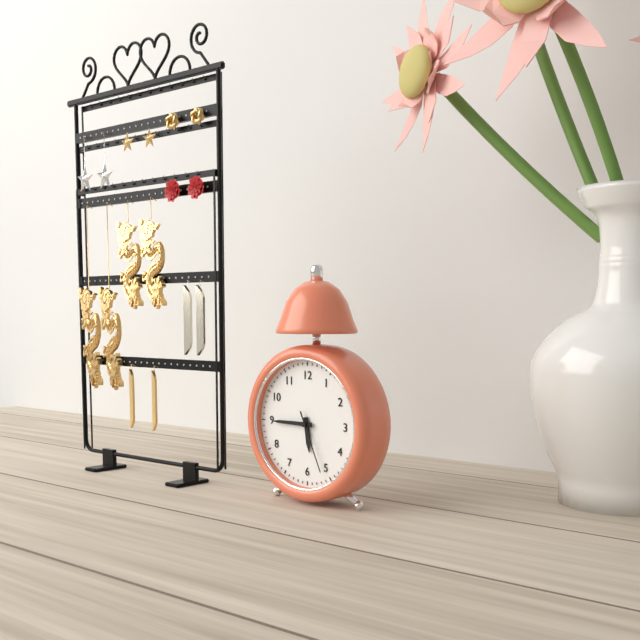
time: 5:45:26
